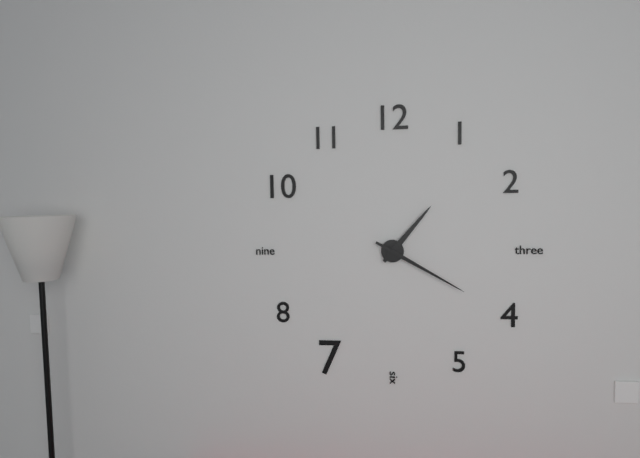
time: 1:20
